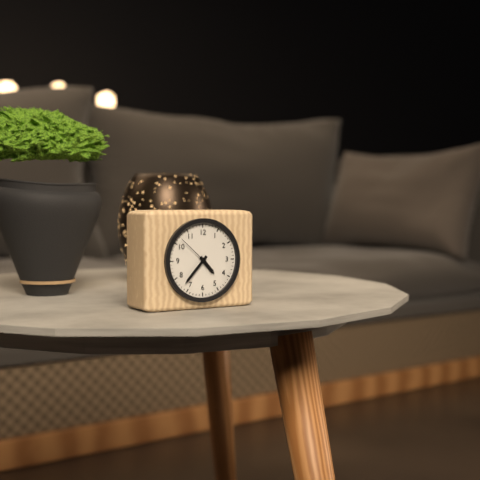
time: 4:37
